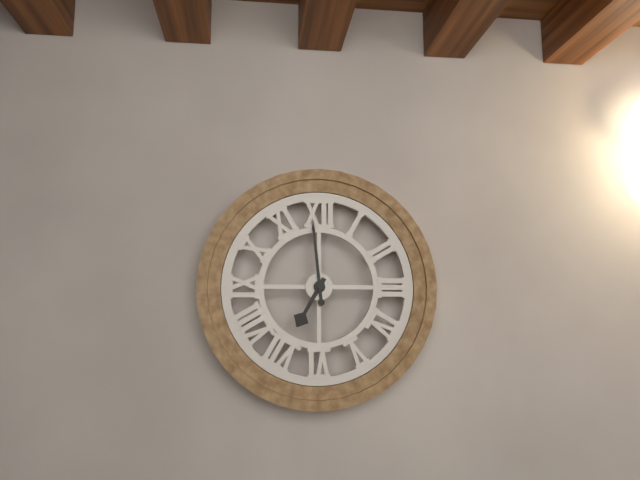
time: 6:59
